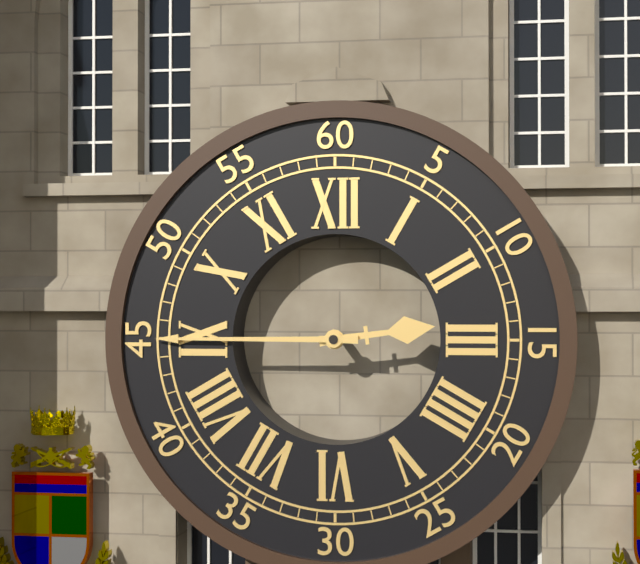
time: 2:45
